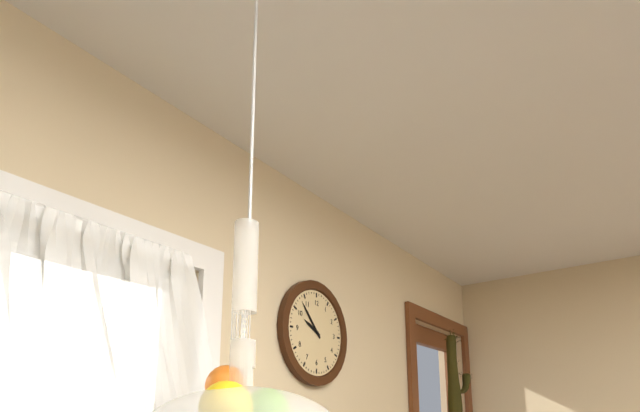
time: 9:53
